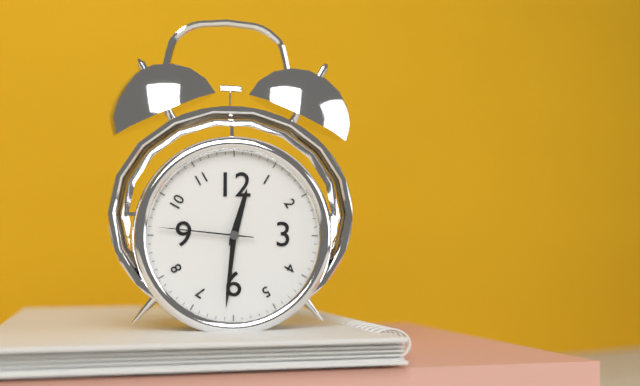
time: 12:31:46
